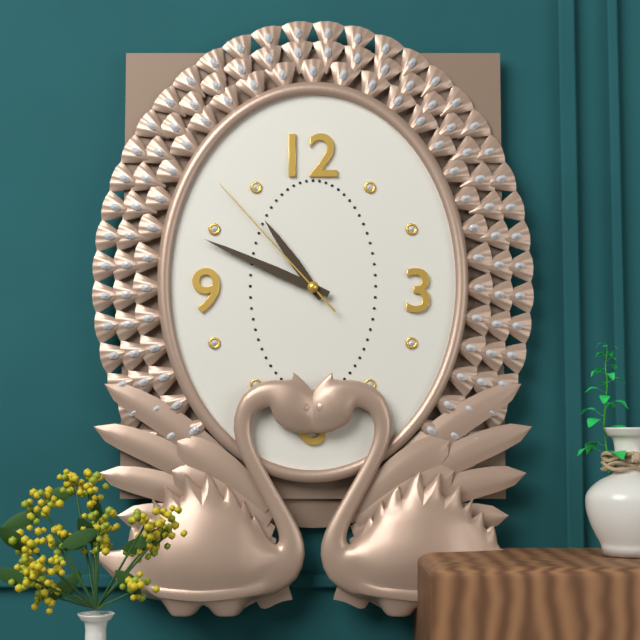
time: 10:49:53
